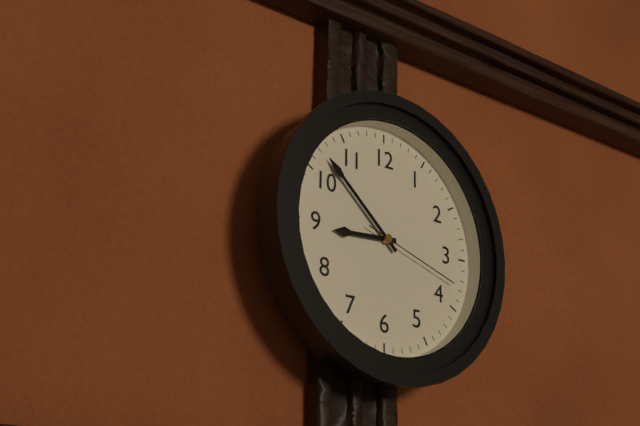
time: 8:52:18
